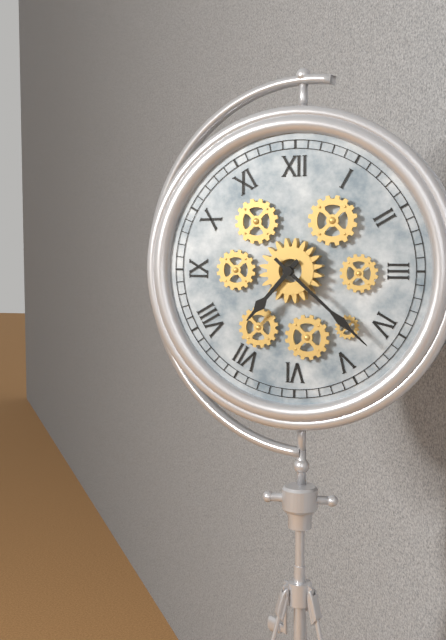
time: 7:22
